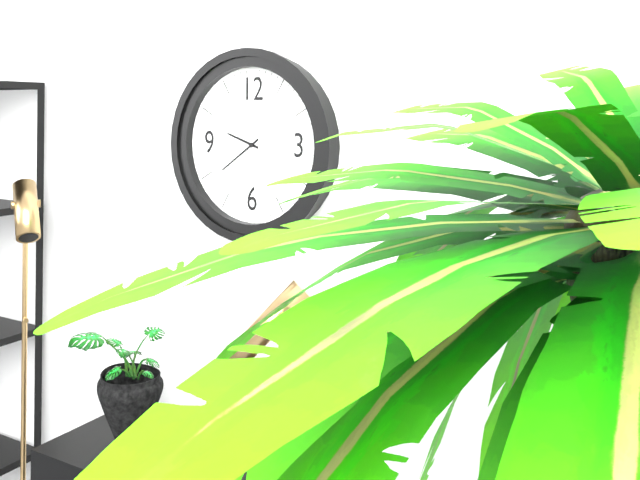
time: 9:39
